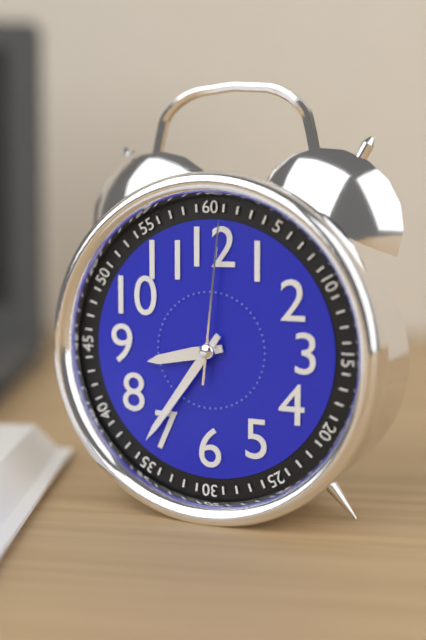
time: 8:36:01
